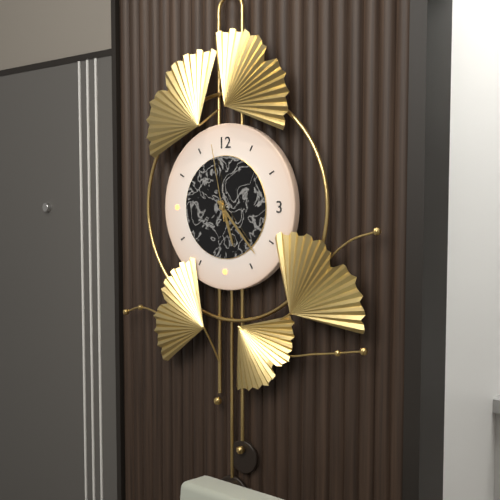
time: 5:23:58
